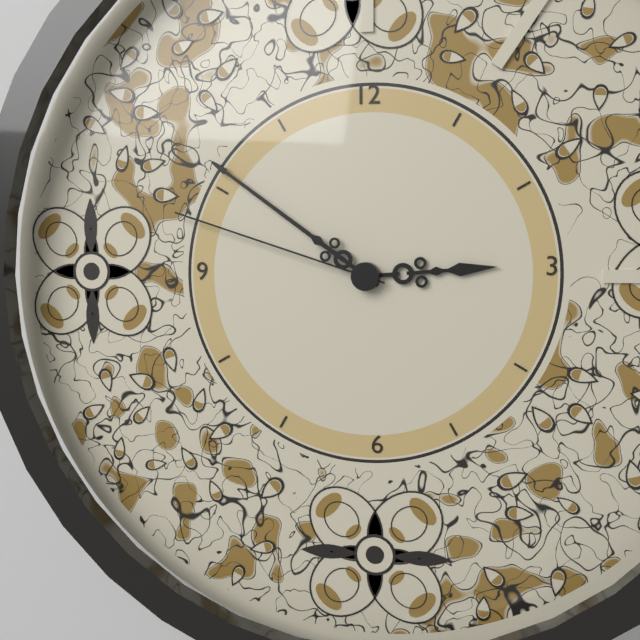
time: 2:51:48
